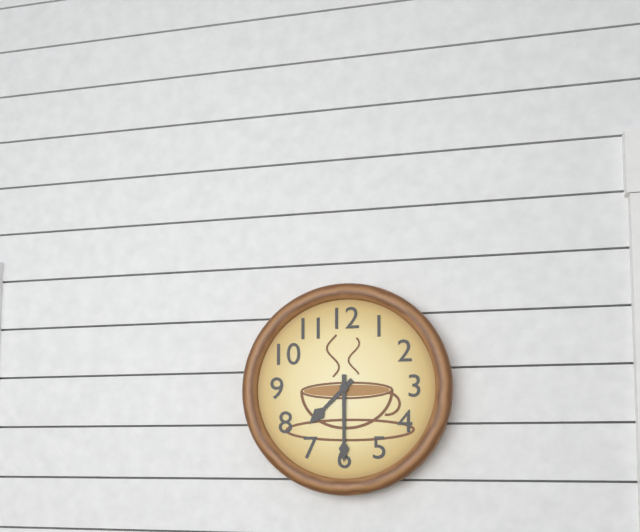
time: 7:30
